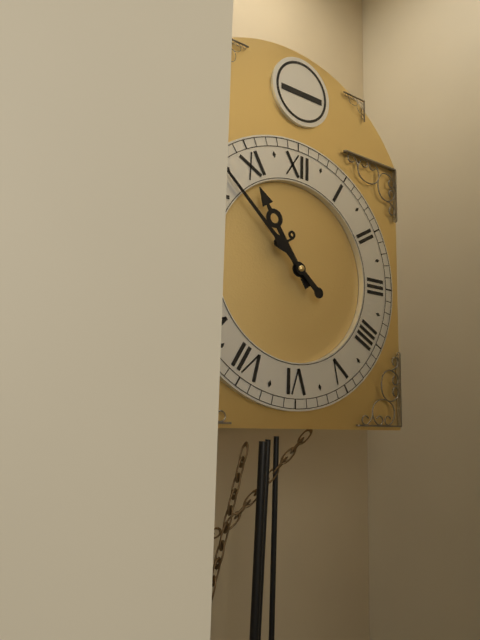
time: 10:52
